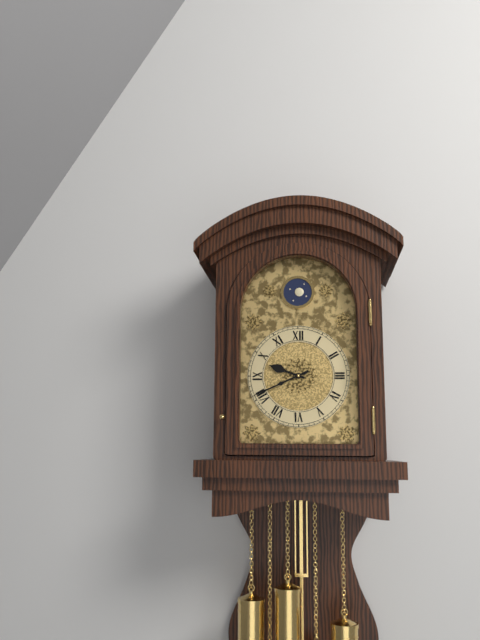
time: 9:41
